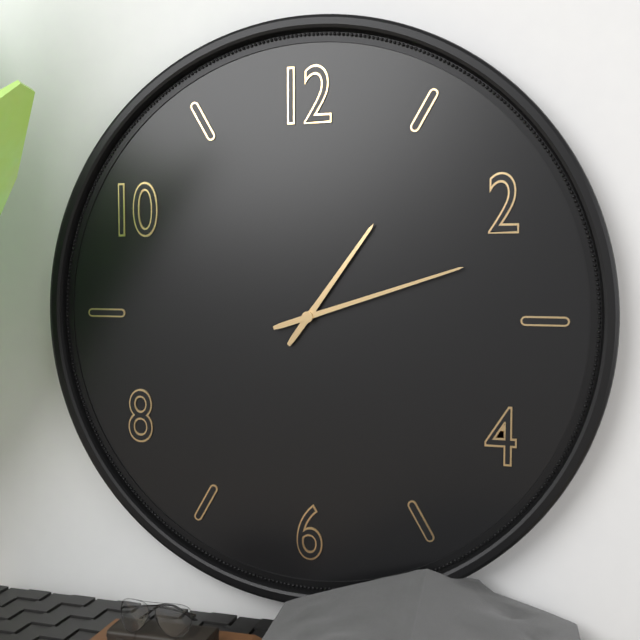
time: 1:12
